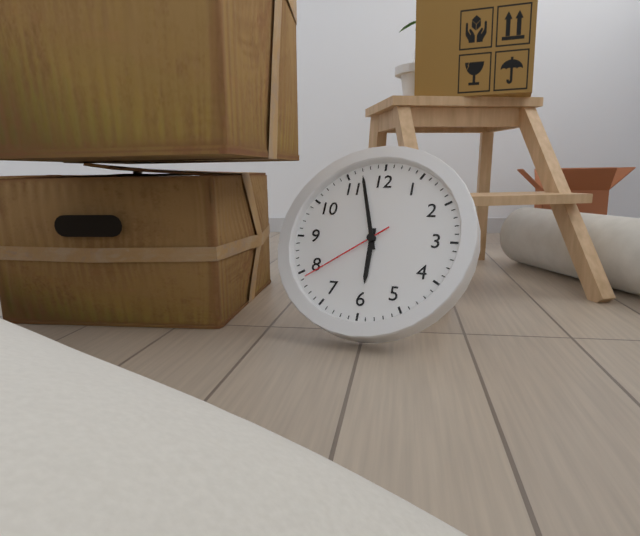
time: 5:57:39
